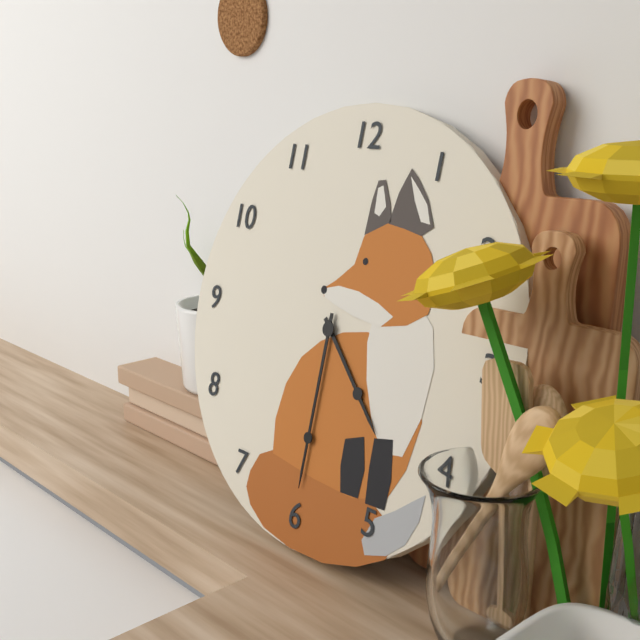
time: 4:30
